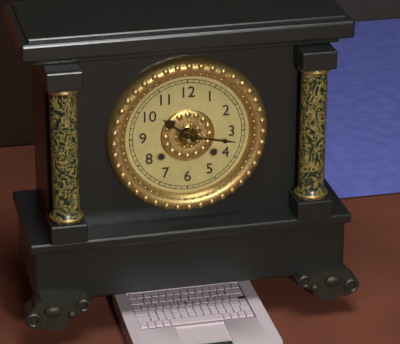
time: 10:17
